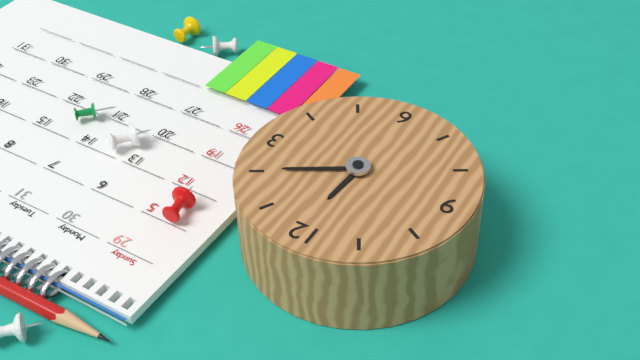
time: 12:10
